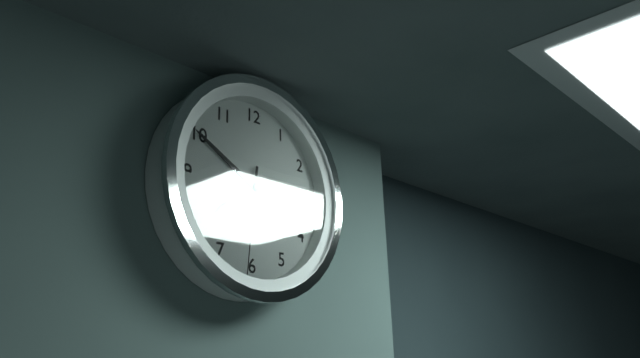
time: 7:50:31
